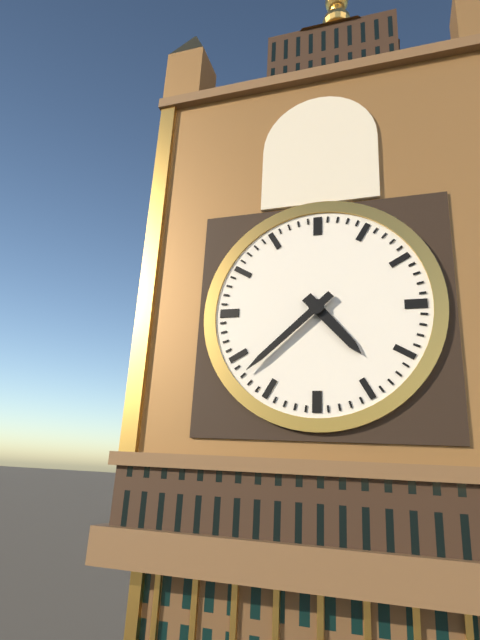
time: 4:38
